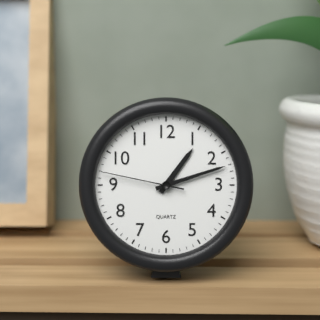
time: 1:12:47
